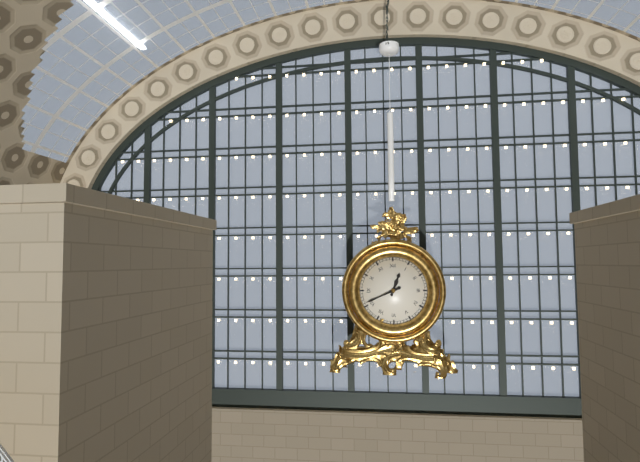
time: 12:41
